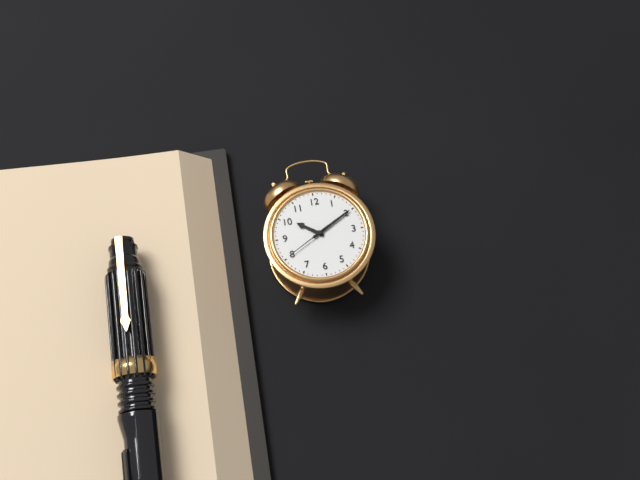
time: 10:10
